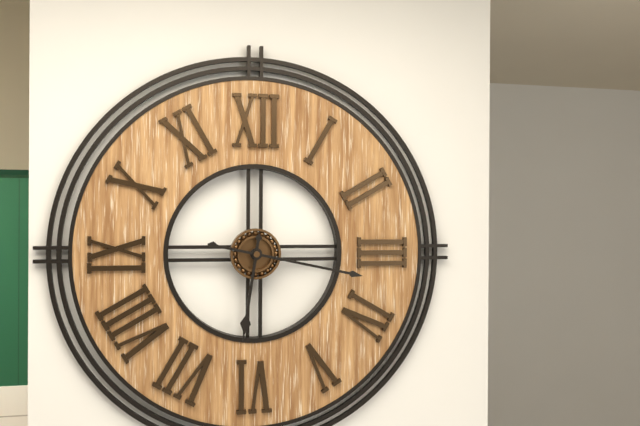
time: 6:17
